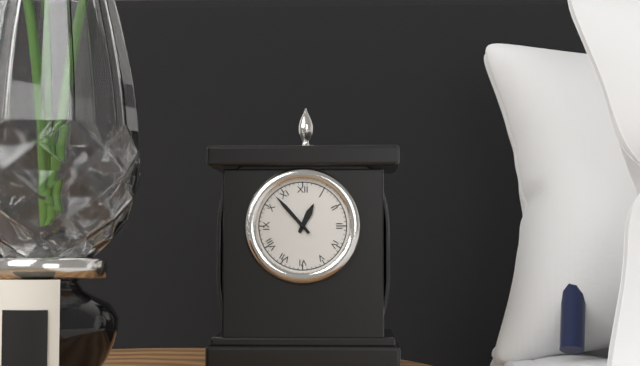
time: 12:53
